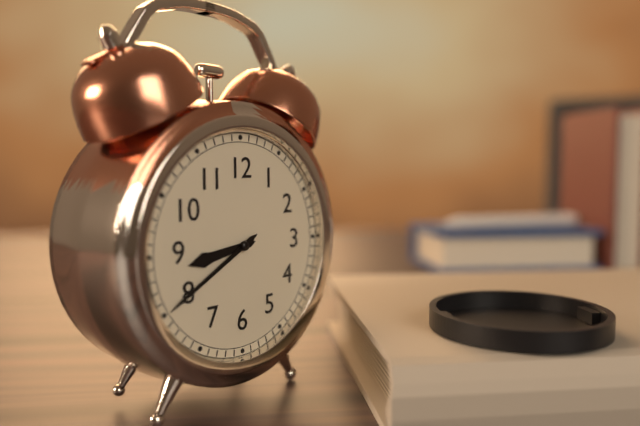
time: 8:40
